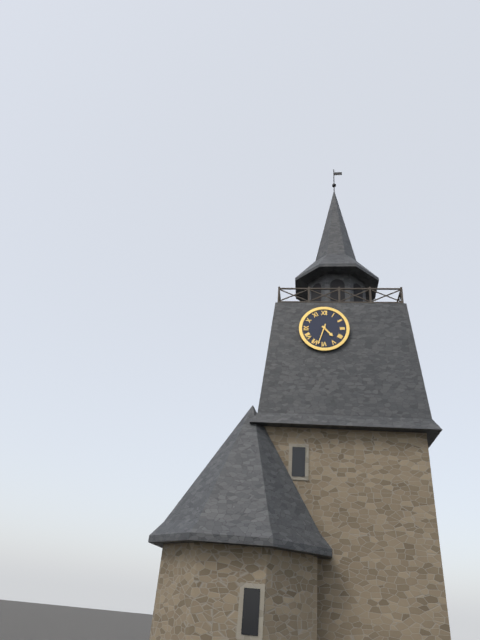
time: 4:33
